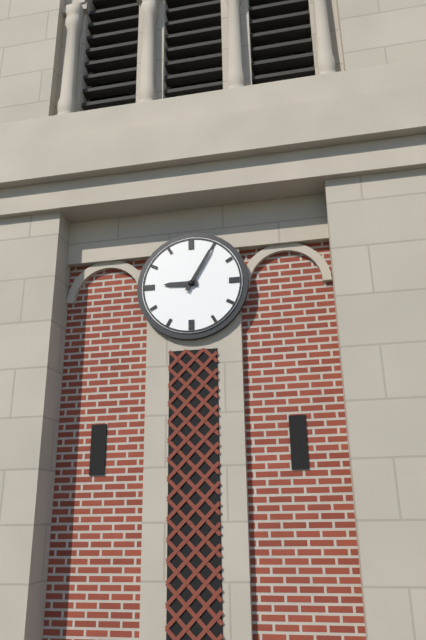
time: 9:05
